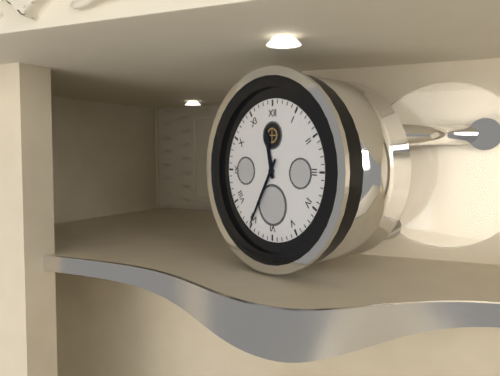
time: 11:35
